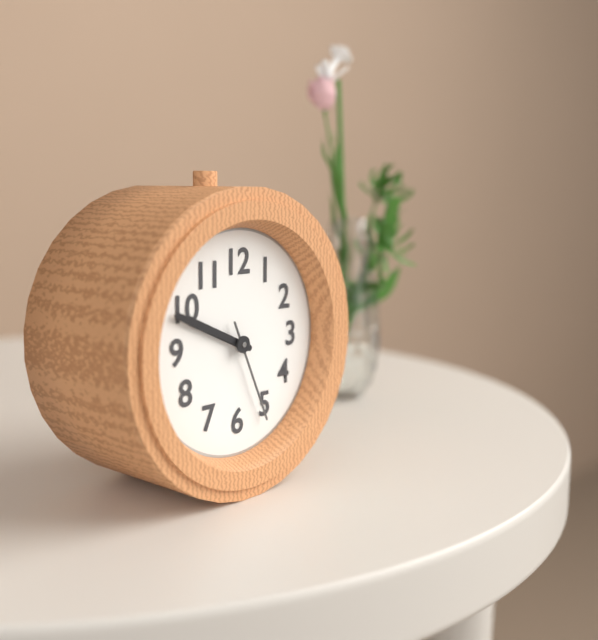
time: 9:49:26
